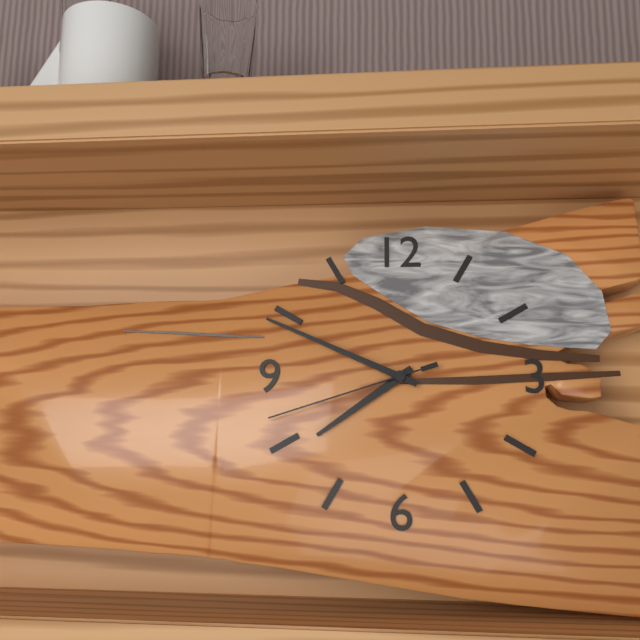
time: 7:49:42
